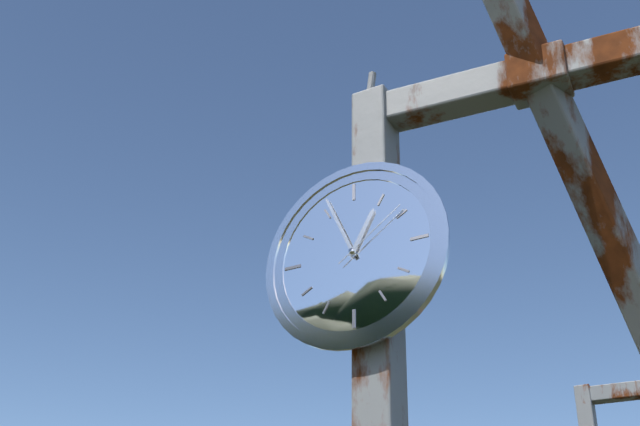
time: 12:56:09
